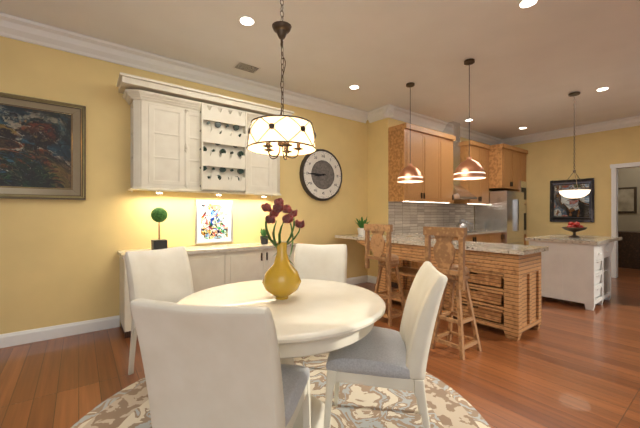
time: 8:45
